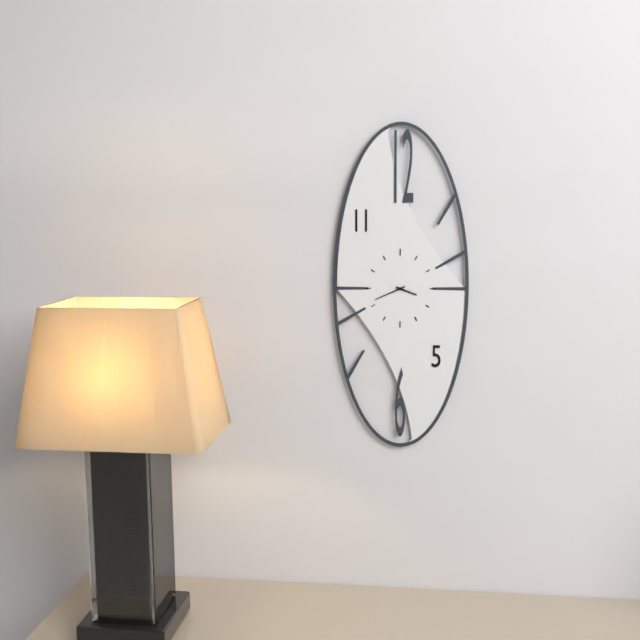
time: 3:41
